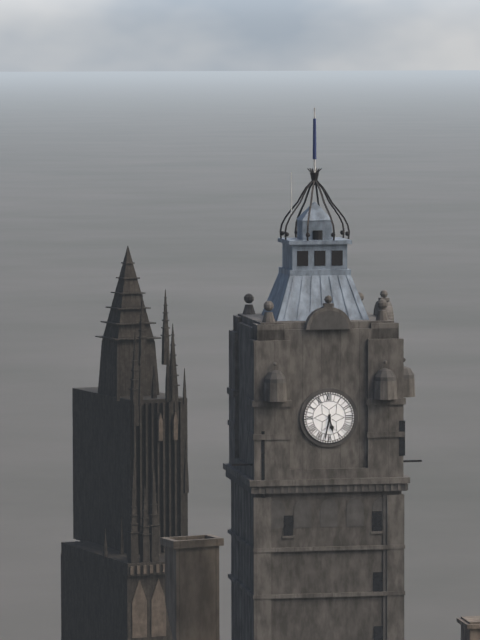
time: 5:32
